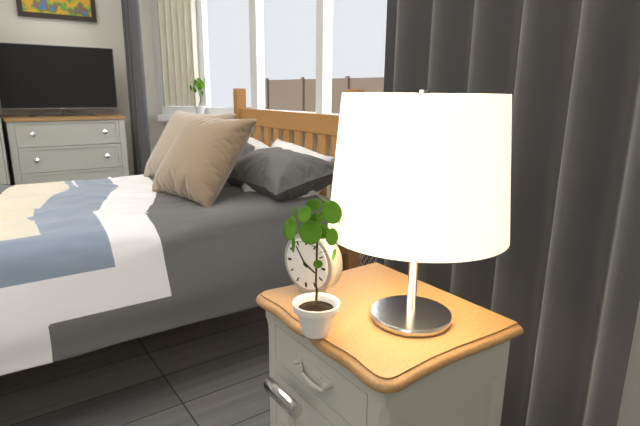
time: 3:54
